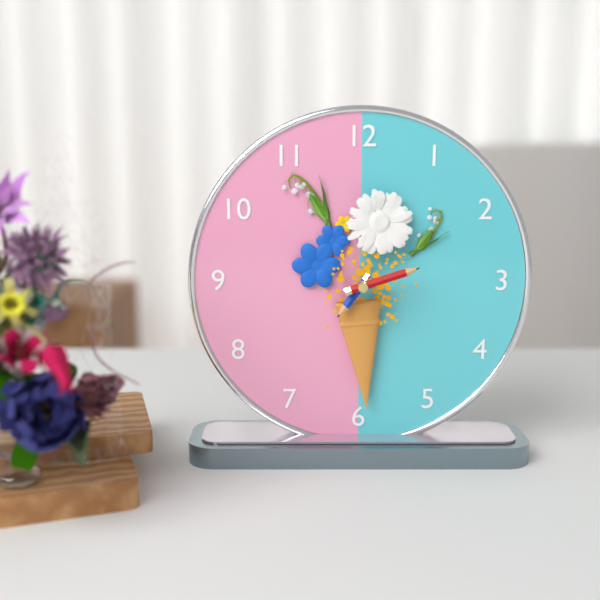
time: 7:12
